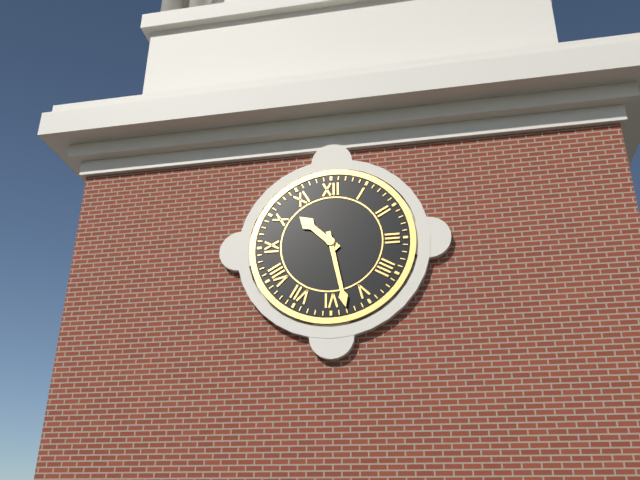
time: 10:28
